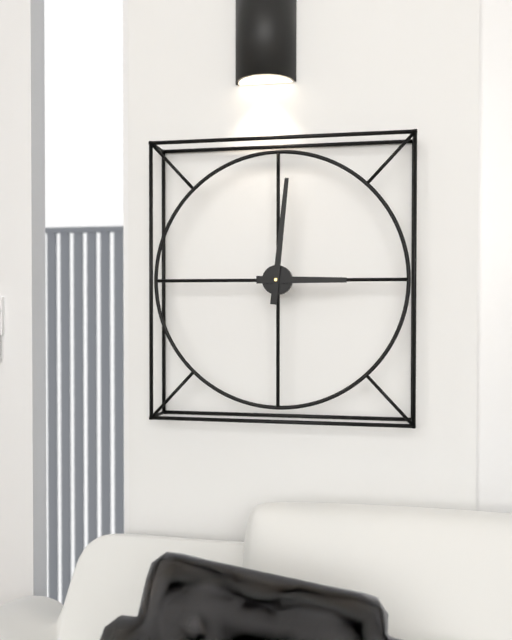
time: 3:01
